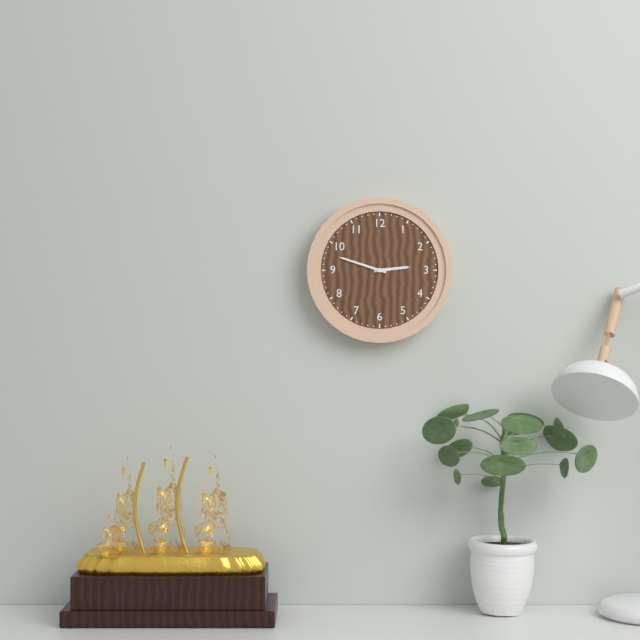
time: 2:48
